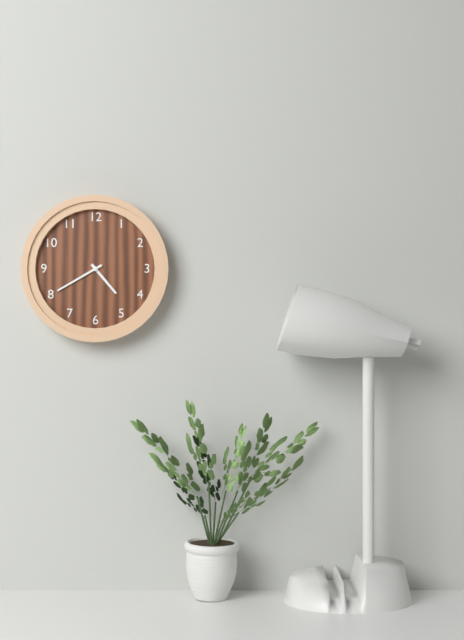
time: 4:40
